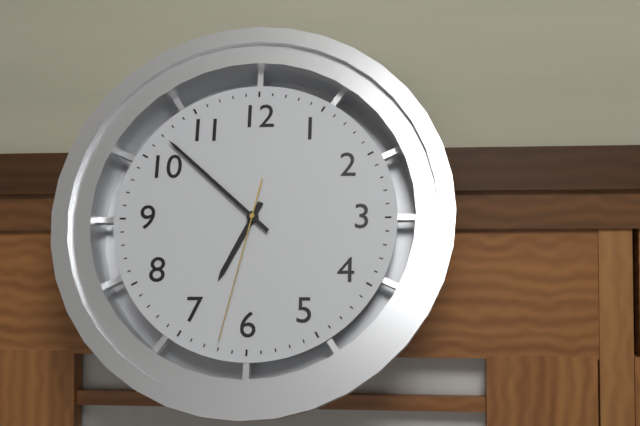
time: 6:52:32
